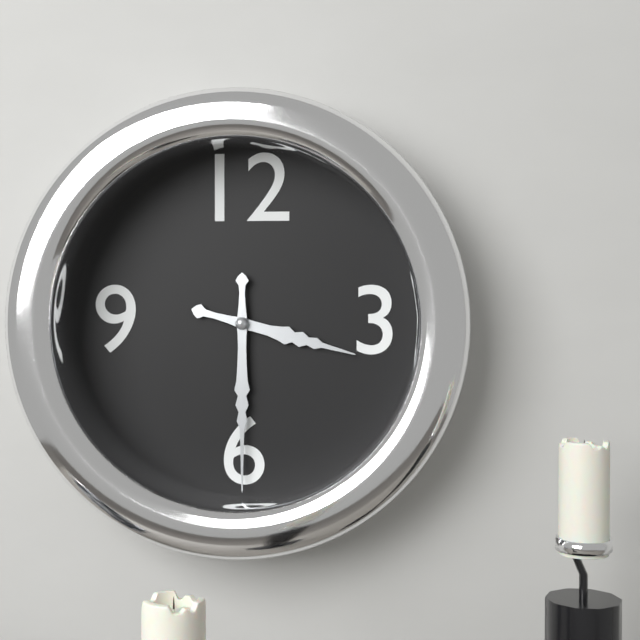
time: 3:30
